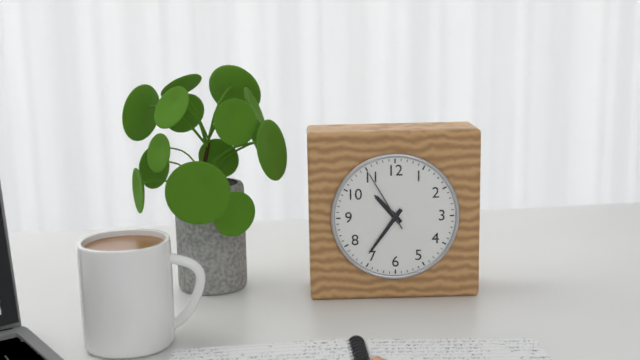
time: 10:36:55
